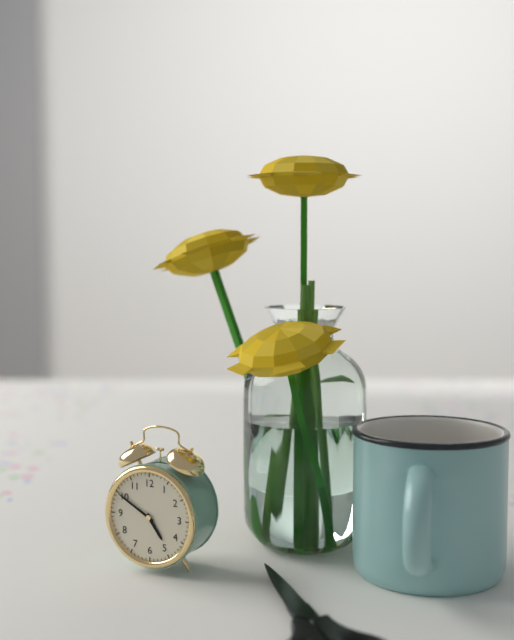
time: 4:50
